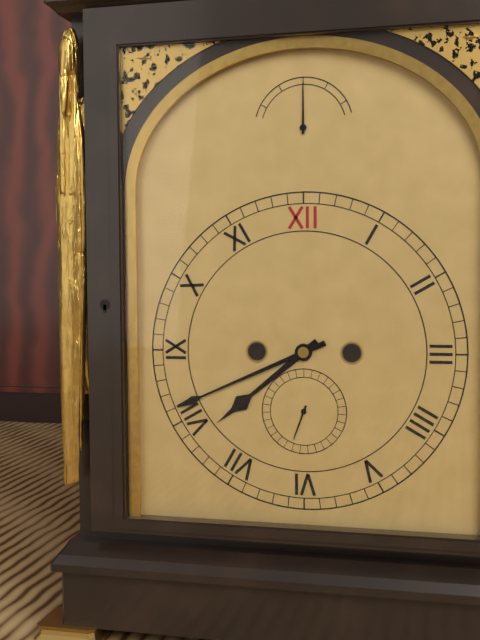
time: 7:41
